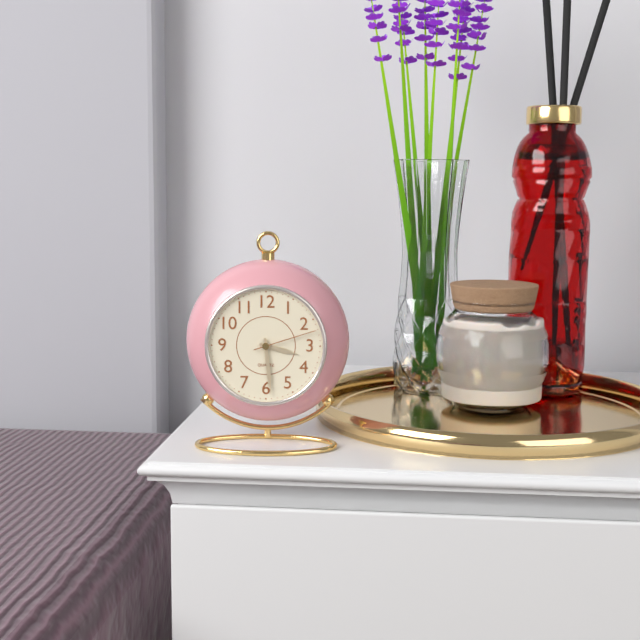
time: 3:29:12
